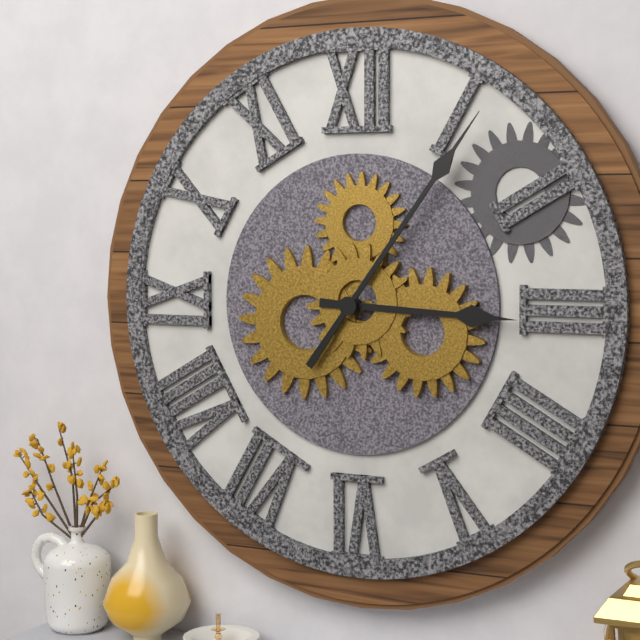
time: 3:06
